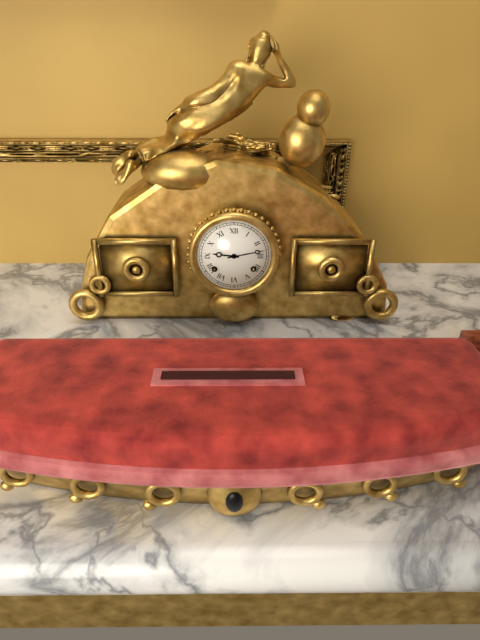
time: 9:13
